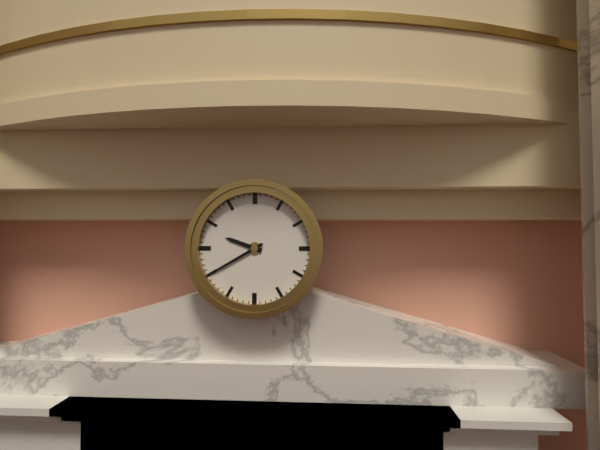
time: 9:40
